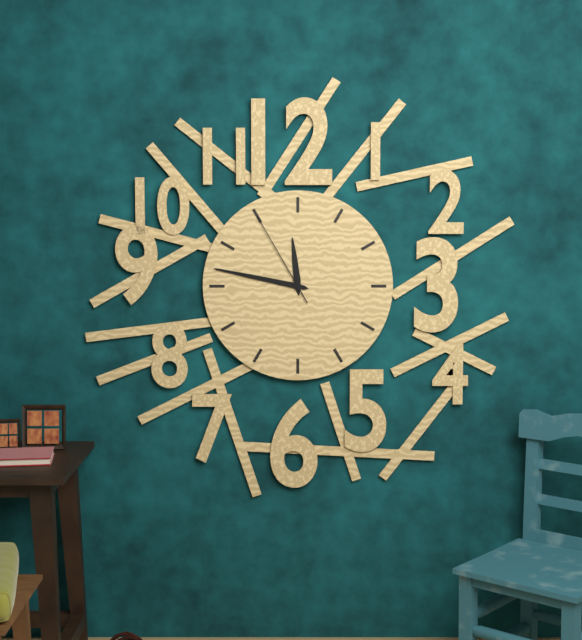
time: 11:47:55
